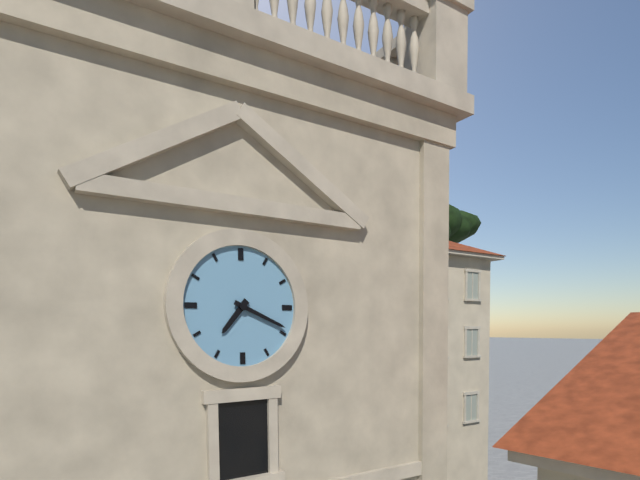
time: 7:19
